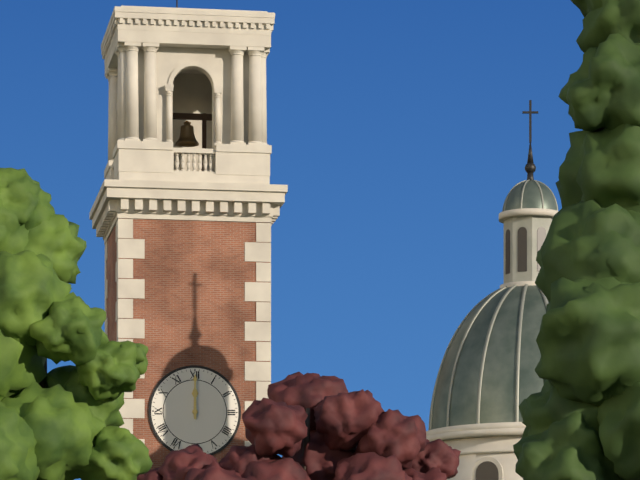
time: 12:00
